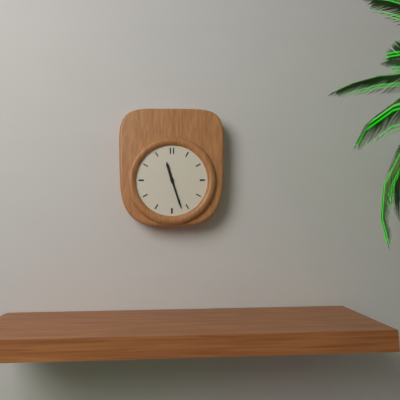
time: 11:27
